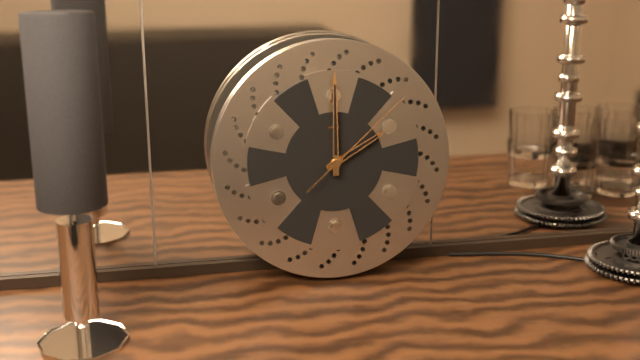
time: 2:00:08
